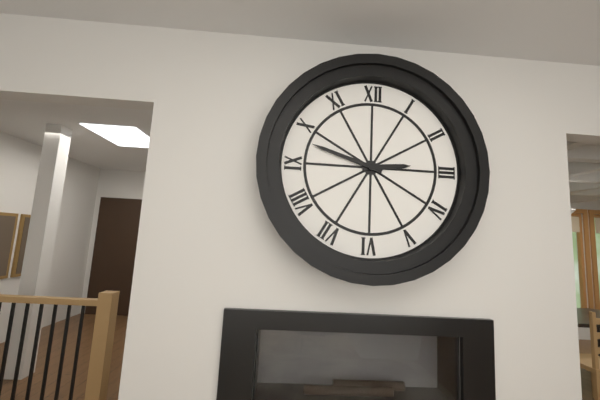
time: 2:48
